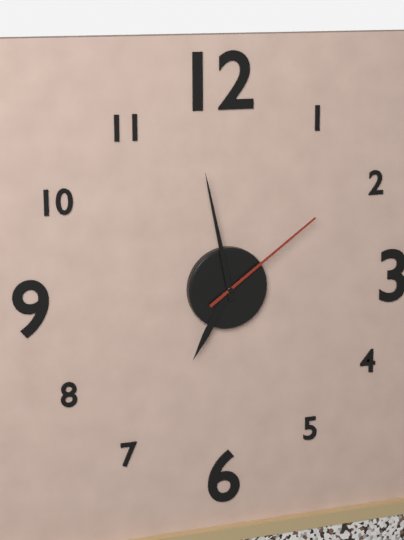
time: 6:58:09
